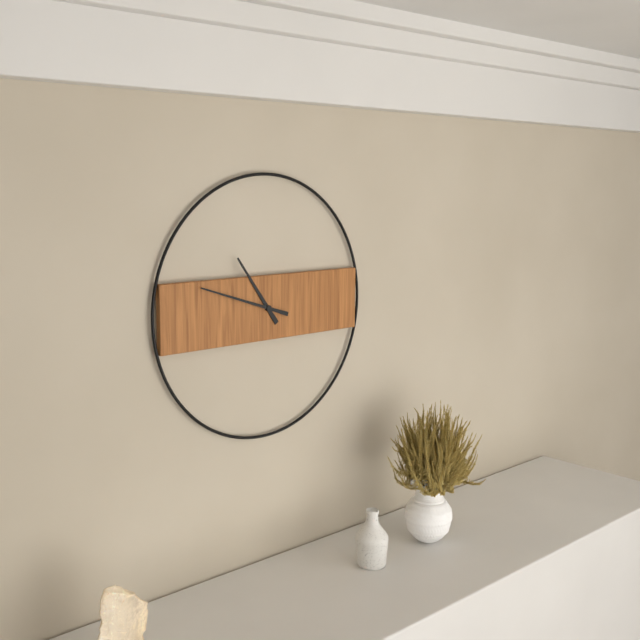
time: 10:48
